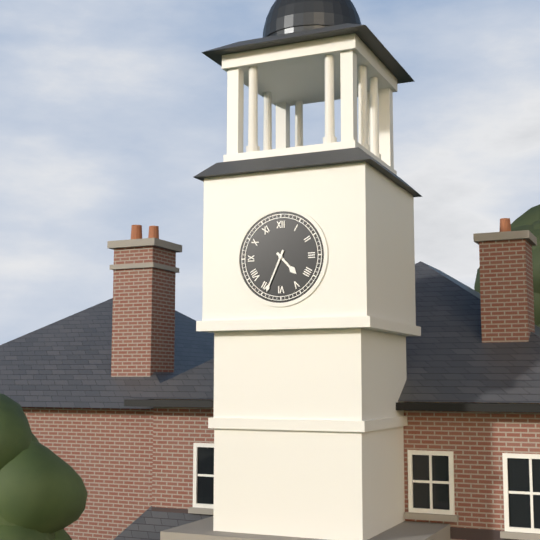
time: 4:34
